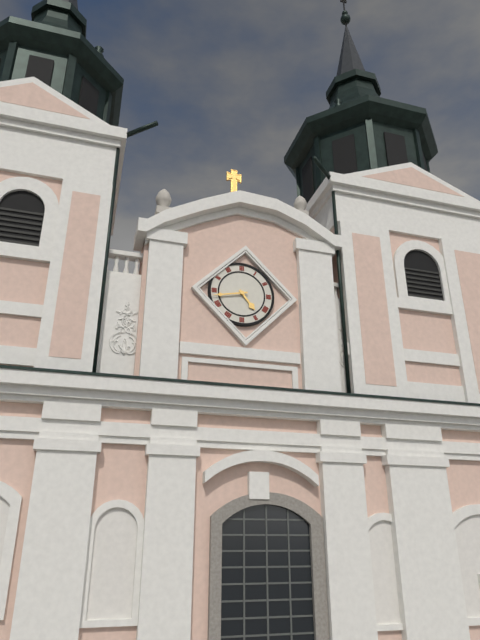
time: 4:43
